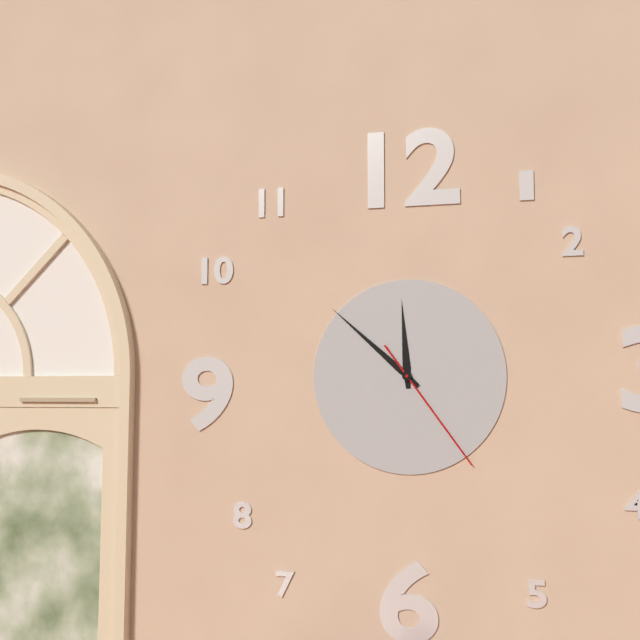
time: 11:52:24
